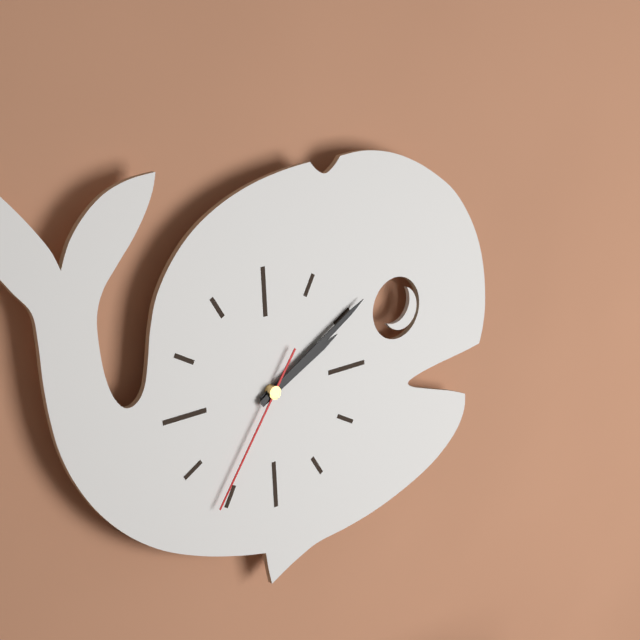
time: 2:10:36
